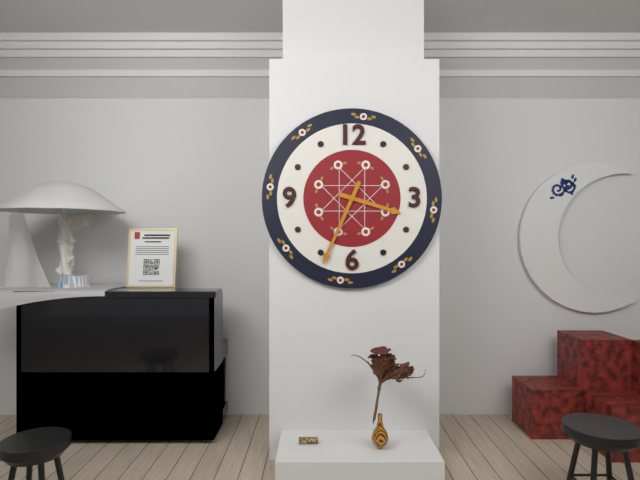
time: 3:34
